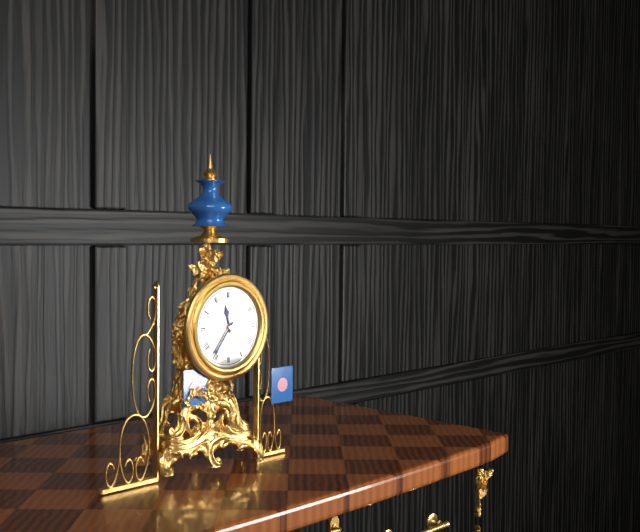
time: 11:36
